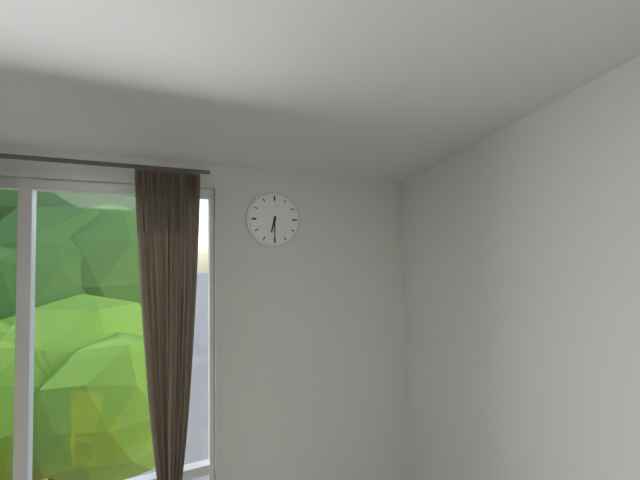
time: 6:30
